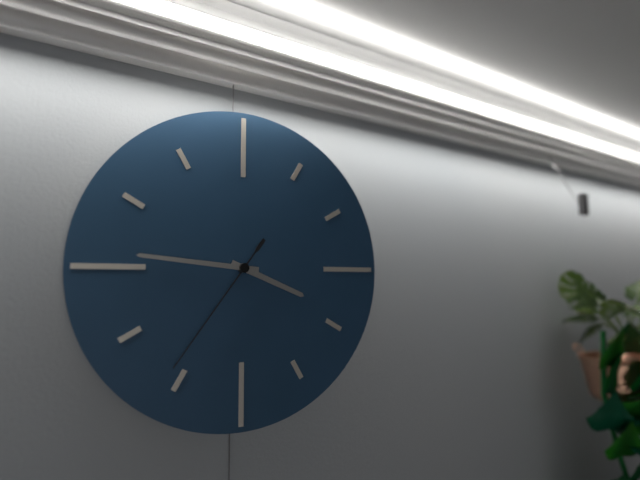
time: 3:46:36
